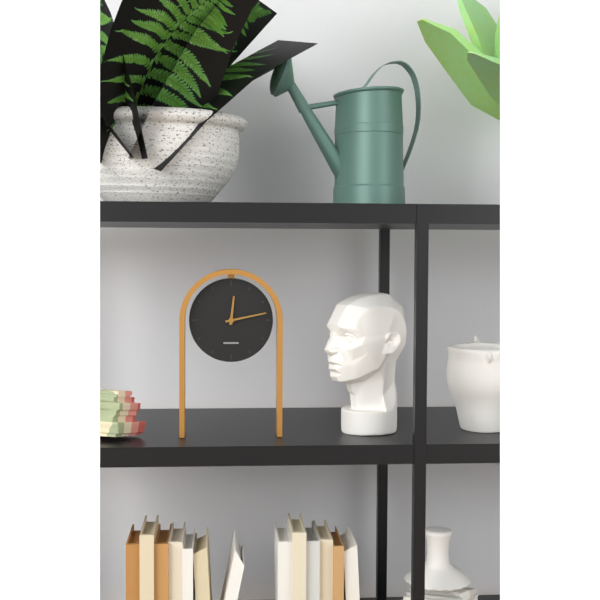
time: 12:13
